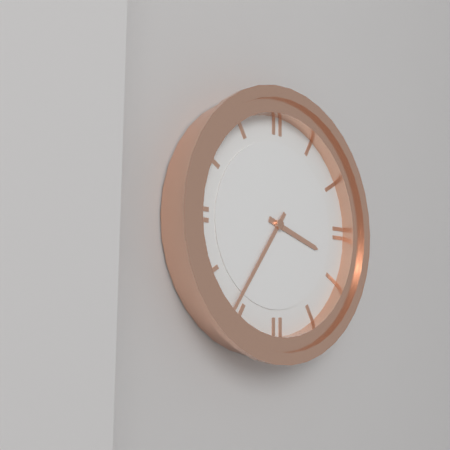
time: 3:36
